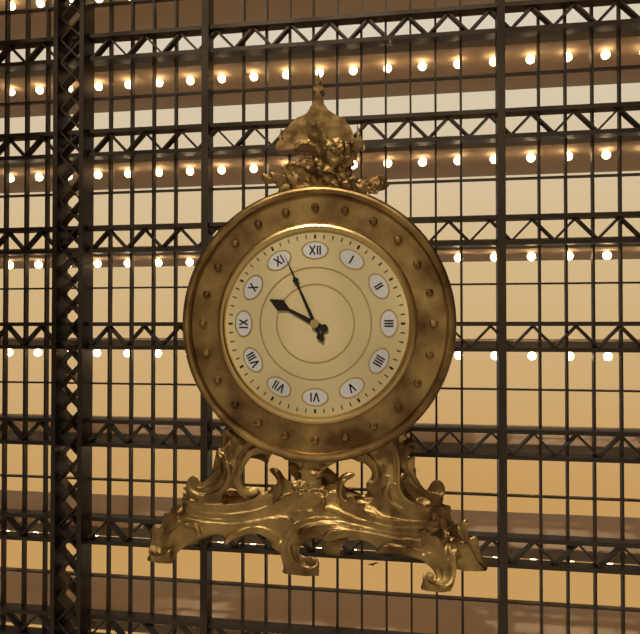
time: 9:56
